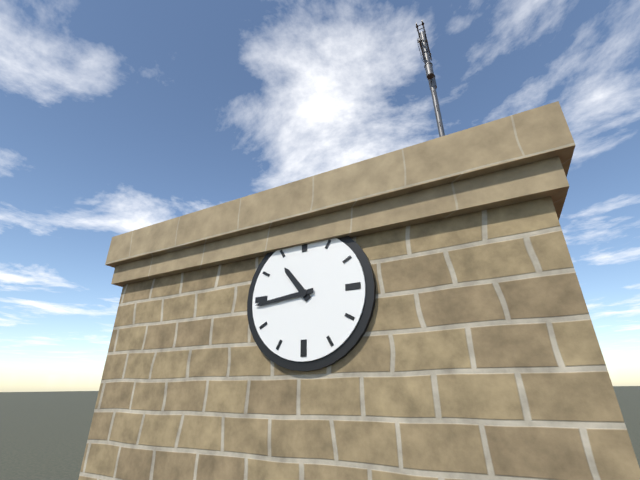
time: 10:44
